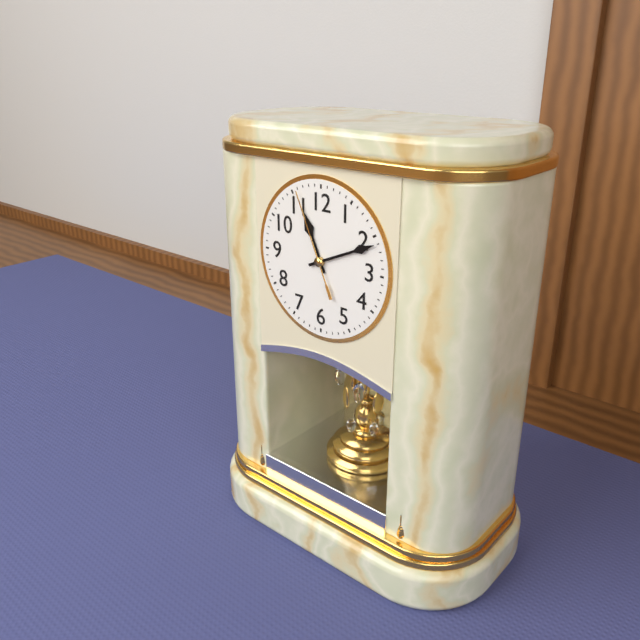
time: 11:11:56
